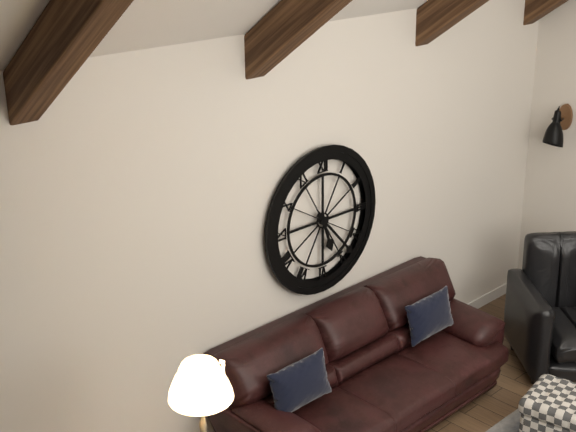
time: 5:23
